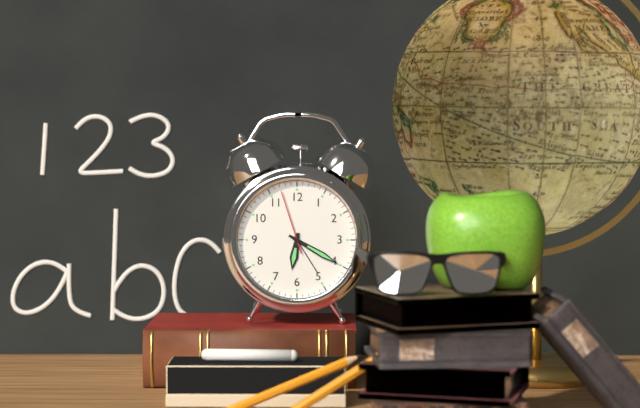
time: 6:20:57
